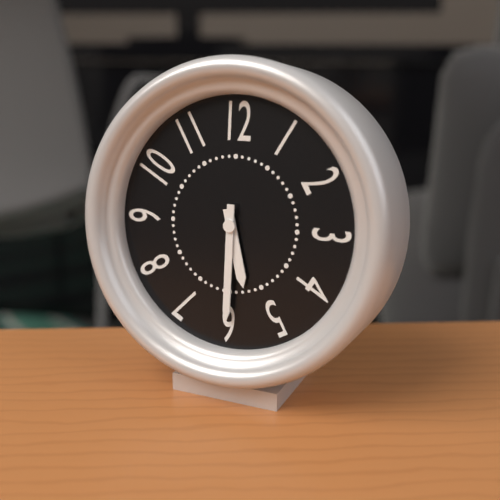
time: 5:30
